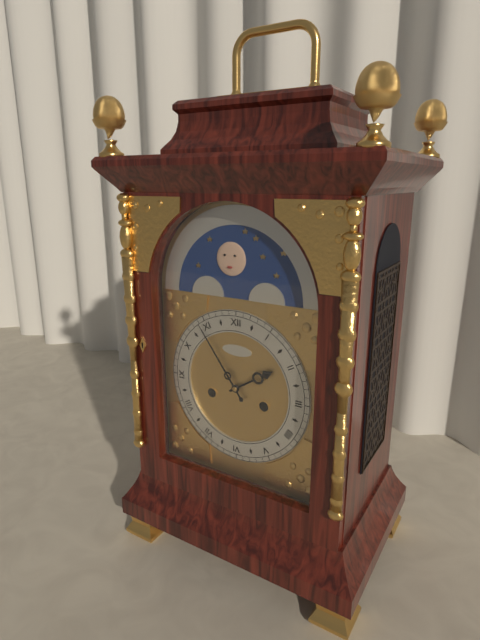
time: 1:54
